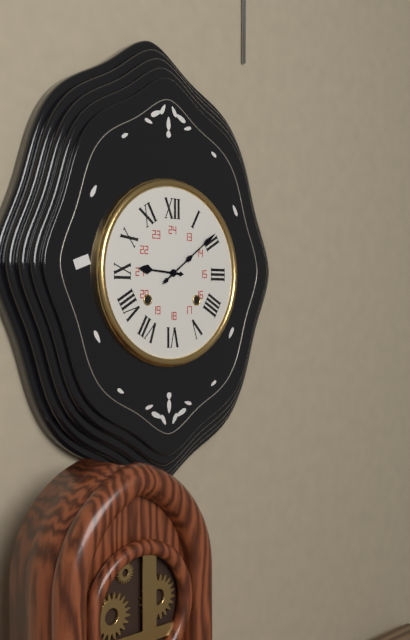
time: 9:09
